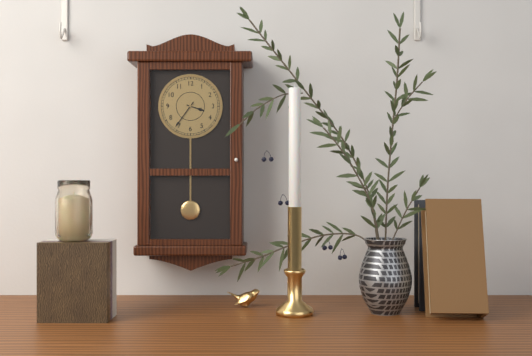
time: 3:36
